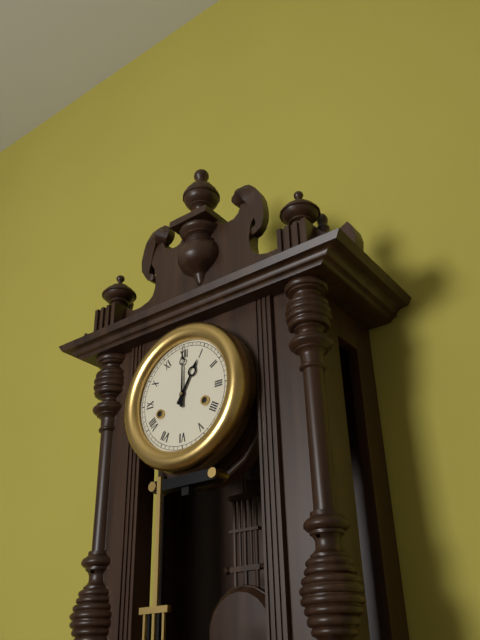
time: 1:00
